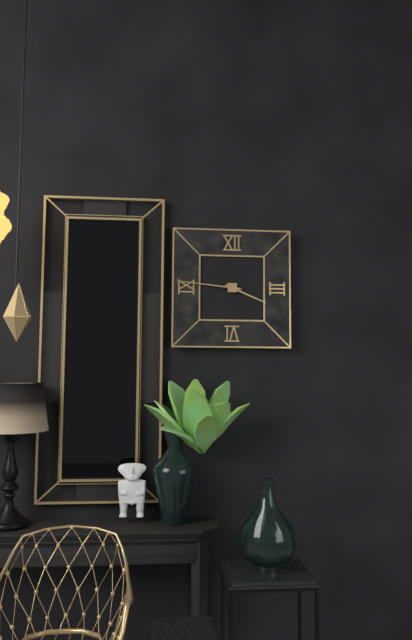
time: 3:46
